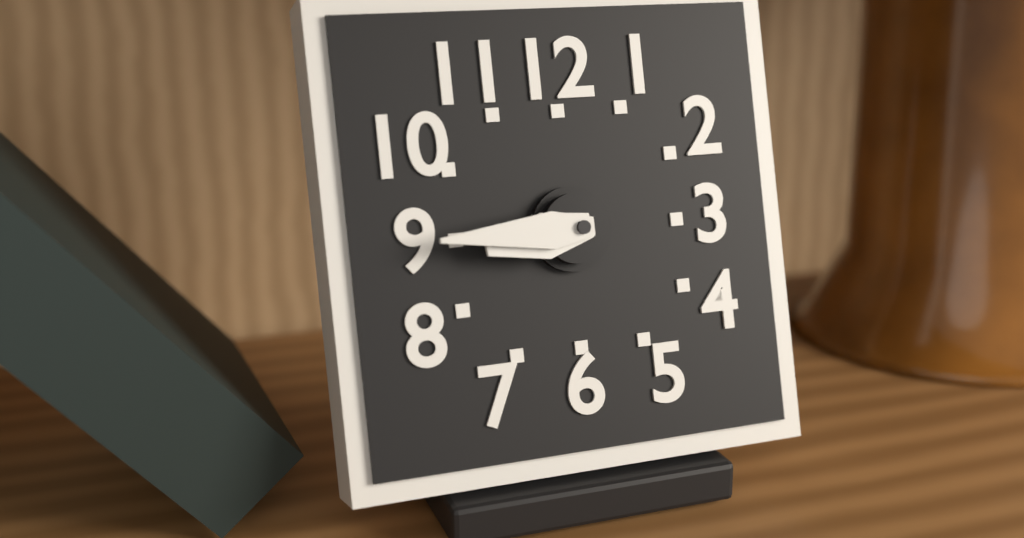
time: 8:45
